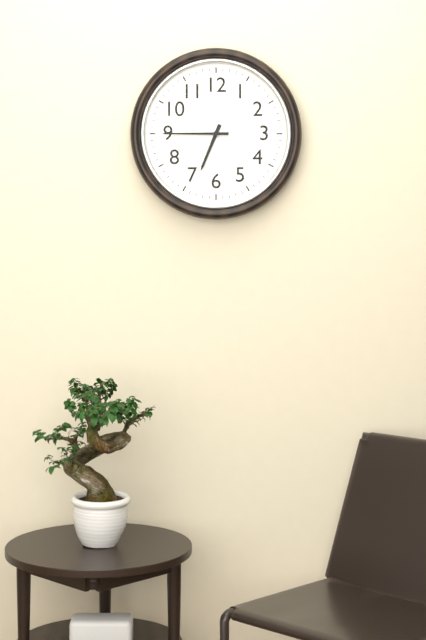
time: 6:45
